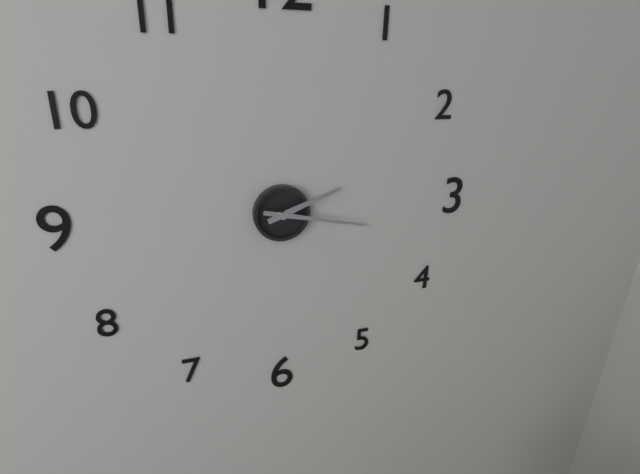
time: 2:17
